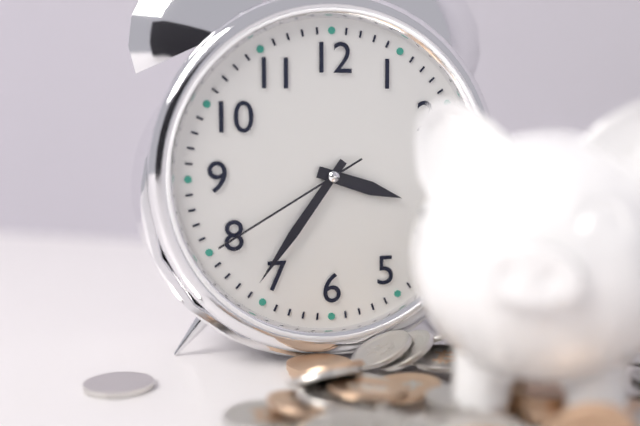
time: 3:36:40
